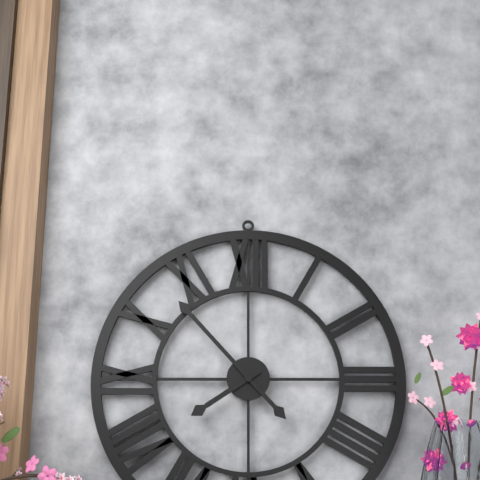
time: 7:53
